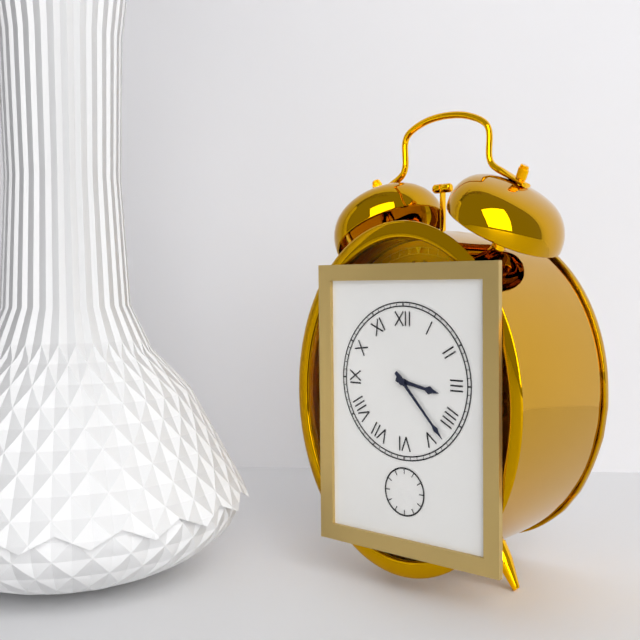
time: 3:23
